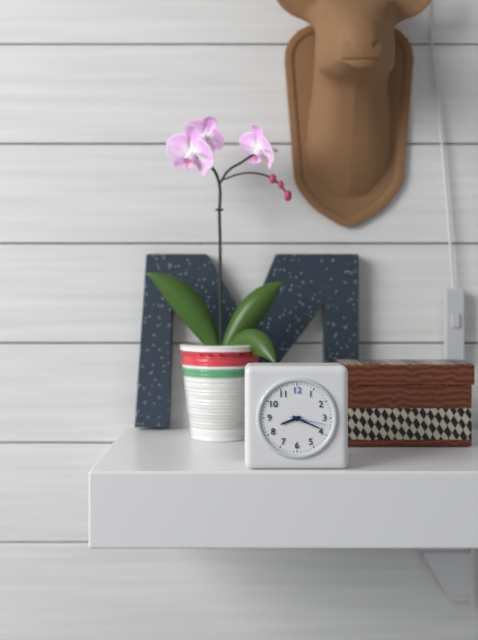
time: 8:19
